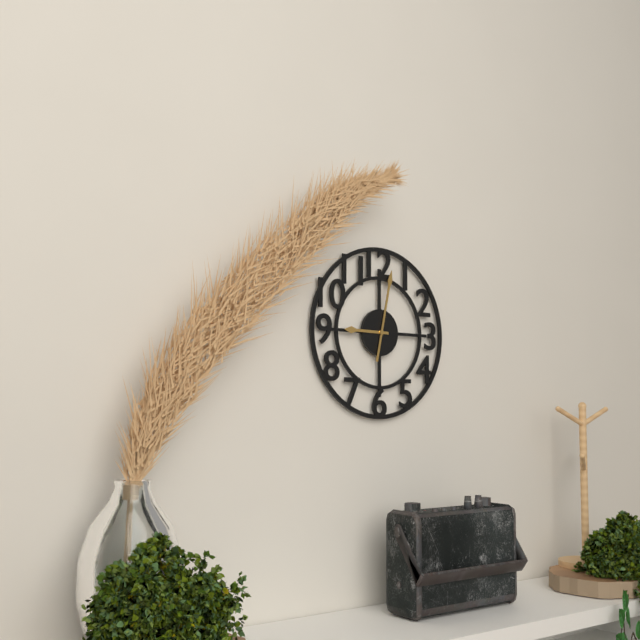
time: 9:02
